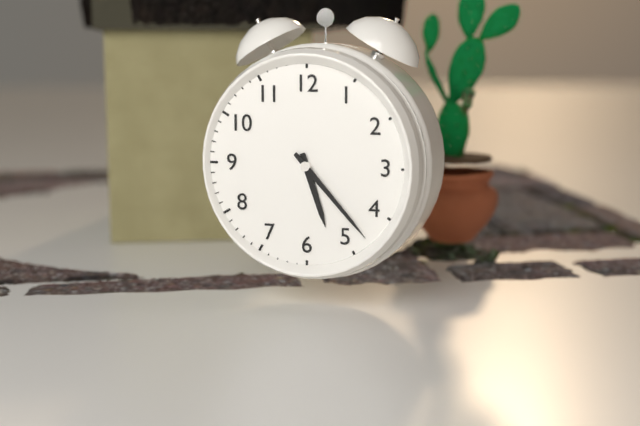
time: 5:23
